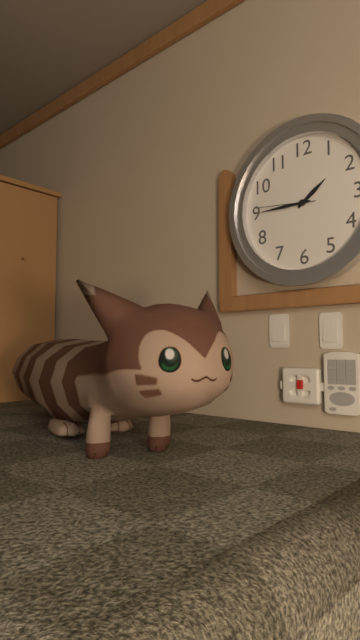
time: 1:45:46
